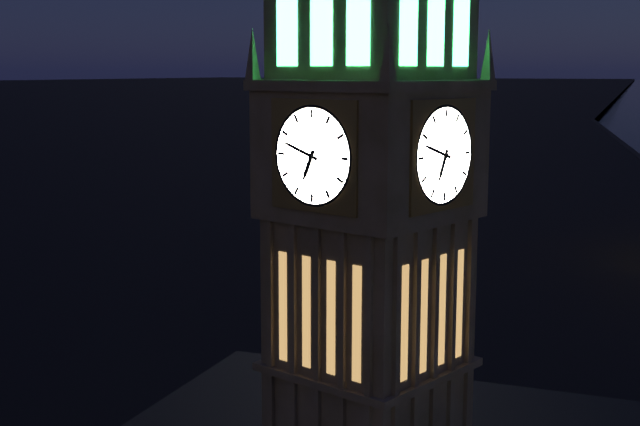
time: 6:48
